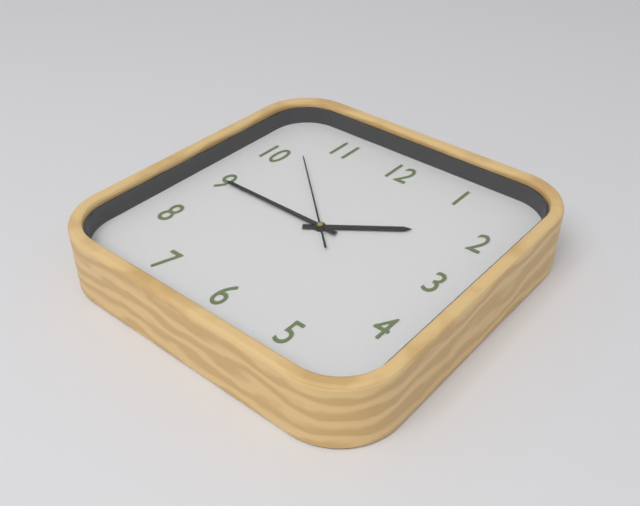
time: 1:45:52
